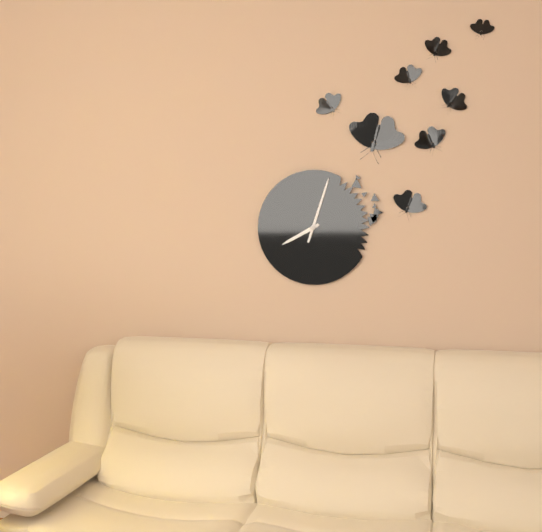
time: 8:03
